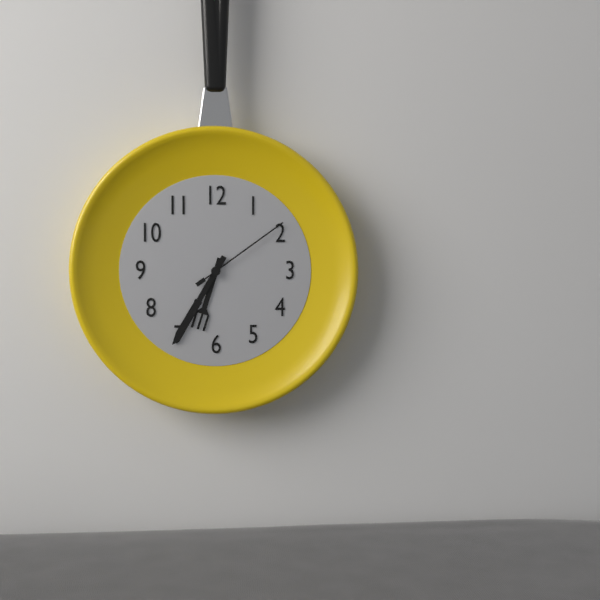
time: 6:35:09
